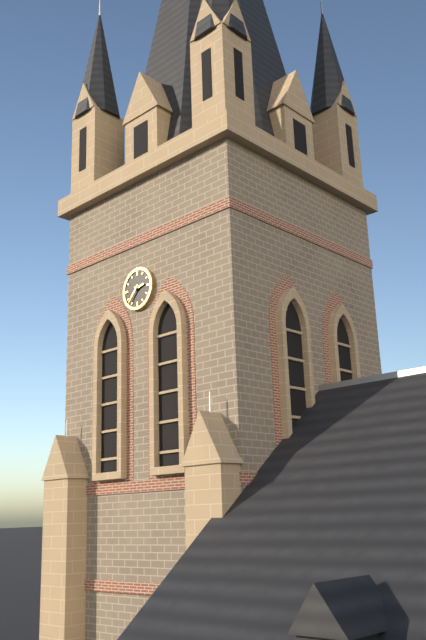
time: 2:37
